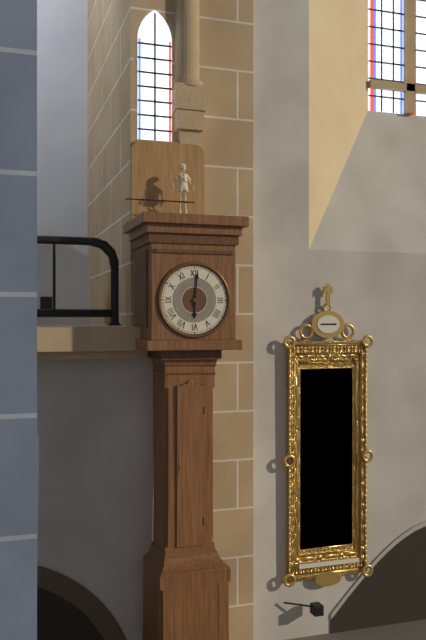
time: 6:01
